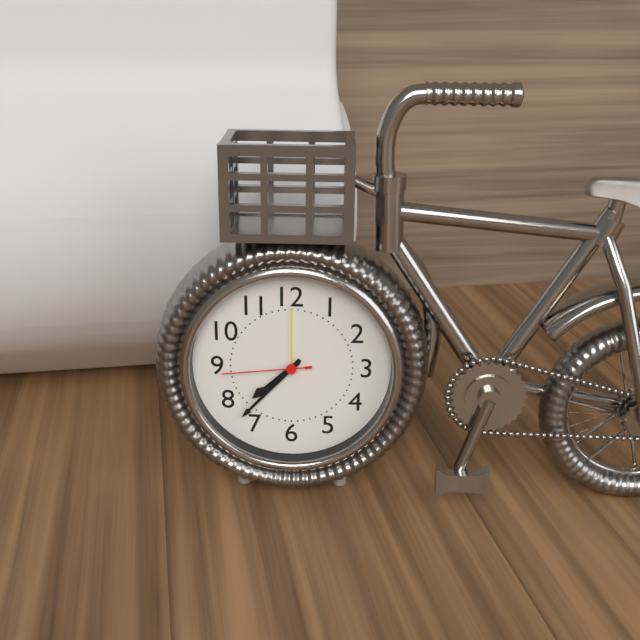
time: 7:37:44
